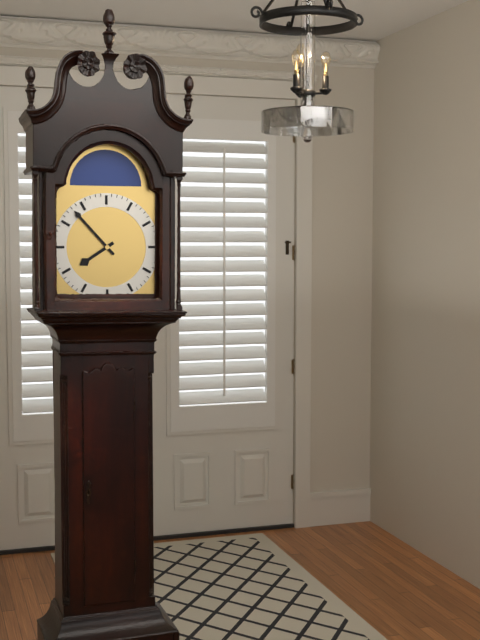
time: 7:53
